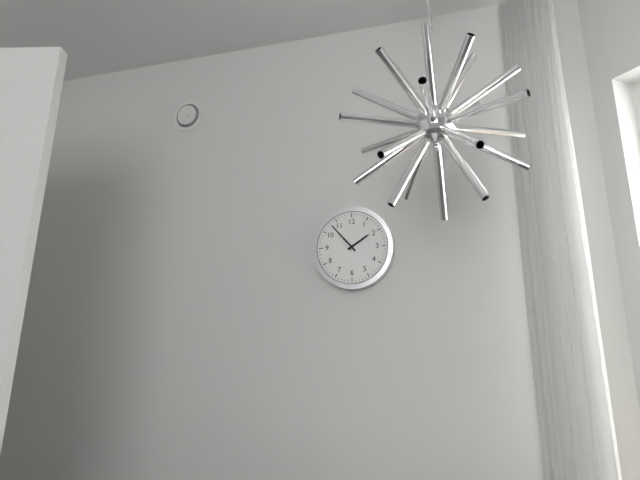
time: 1:53
